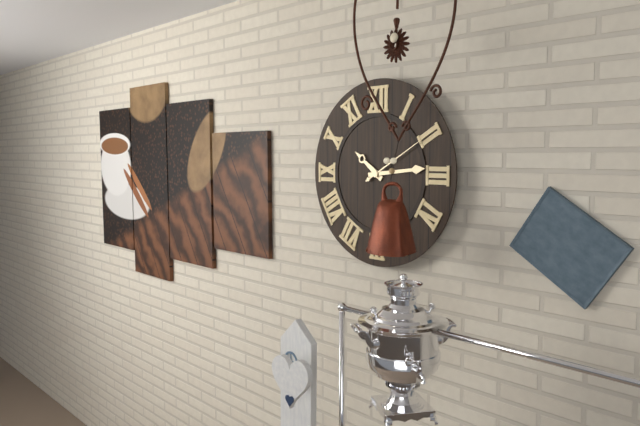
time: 10:14:10
